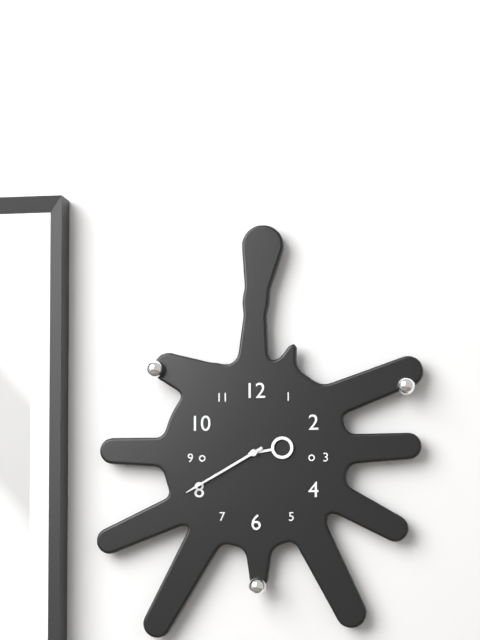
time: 2:40
